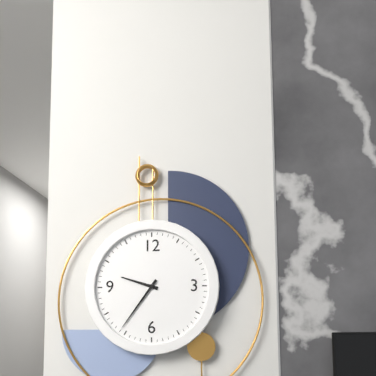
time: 9:36
